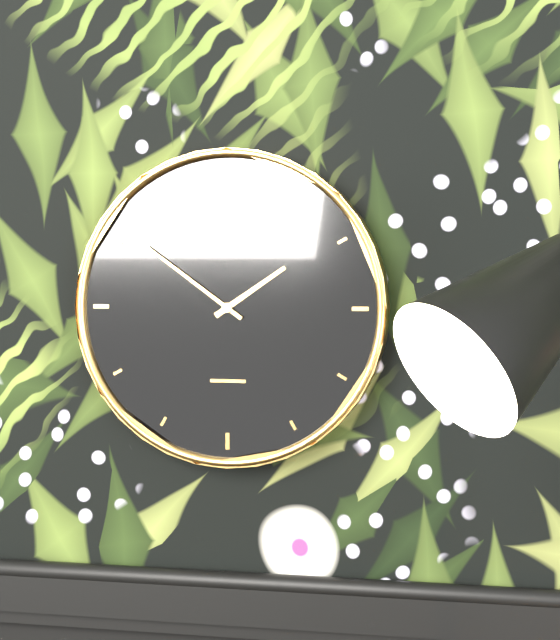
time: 1:51
